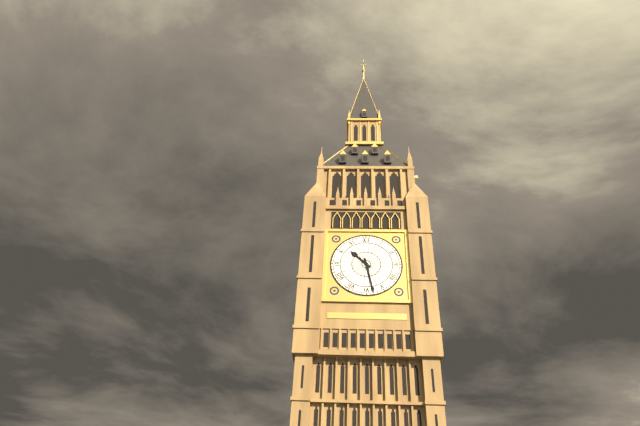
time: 10:28
